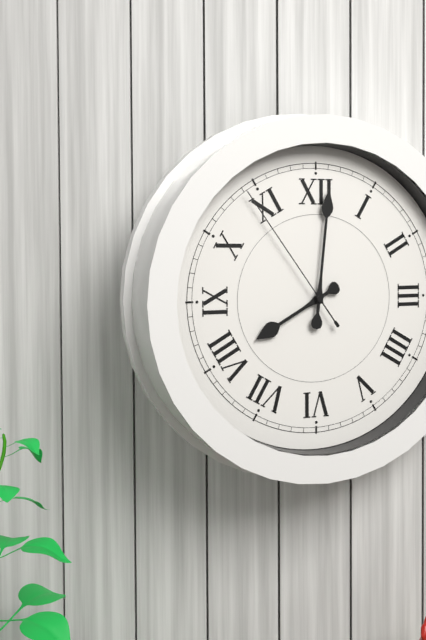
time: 8:01:54
